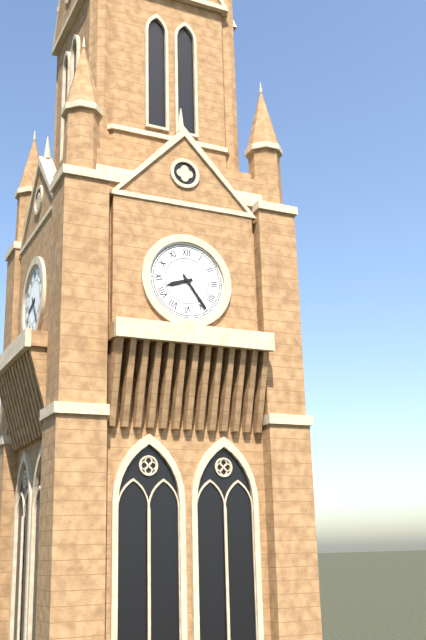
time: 8:24
